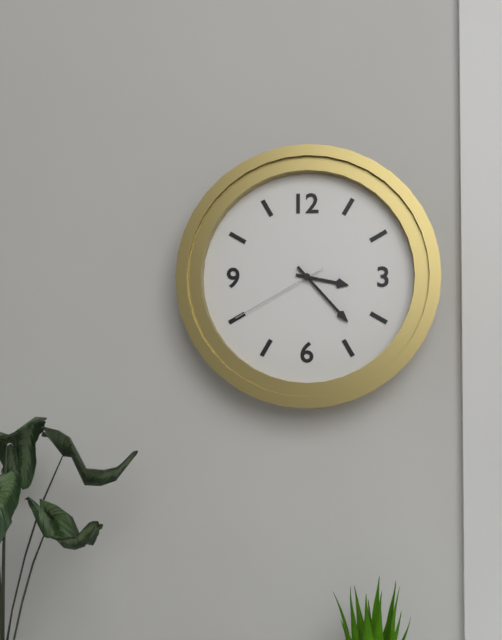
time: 3:23:40
